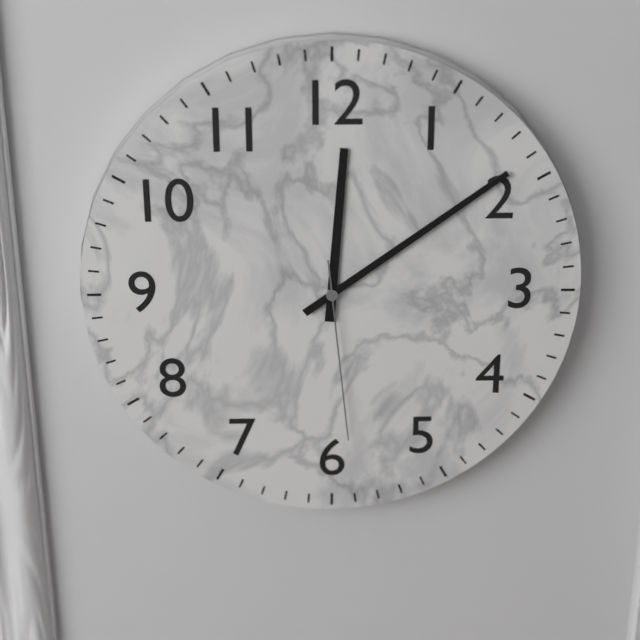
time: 12:09:29
